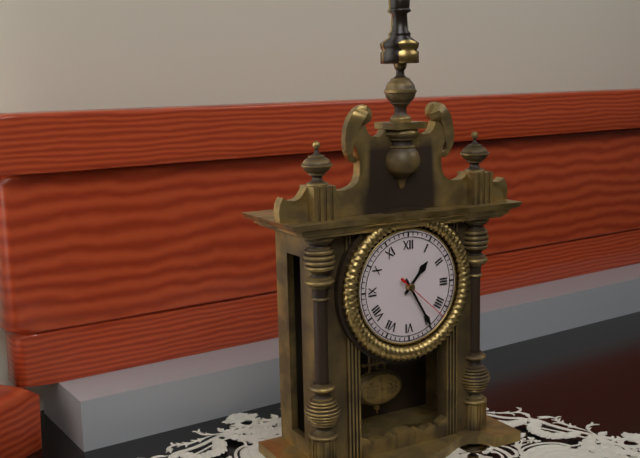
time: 1:25:22
